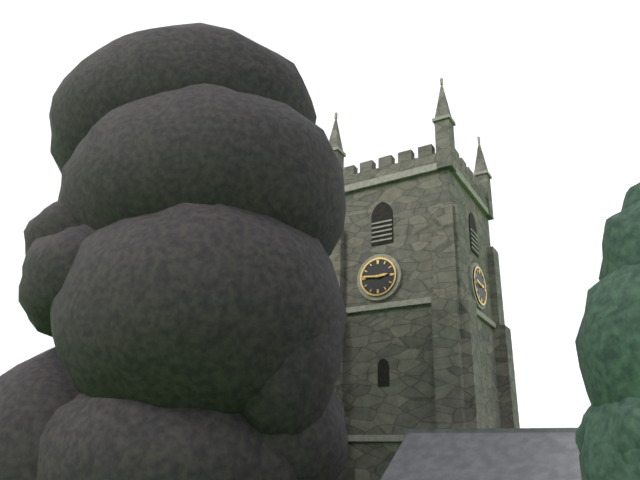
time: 2:46
